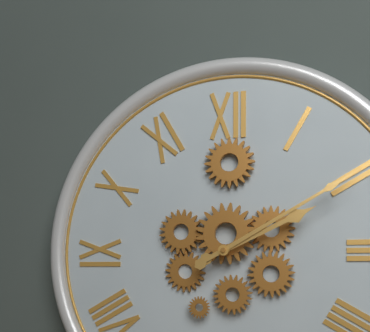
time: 2:10
